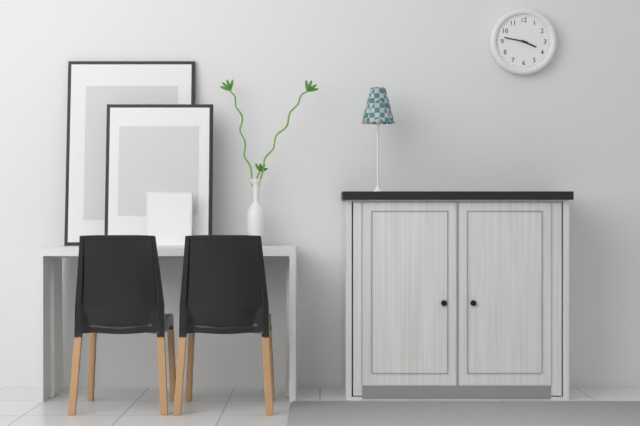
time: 3:47
